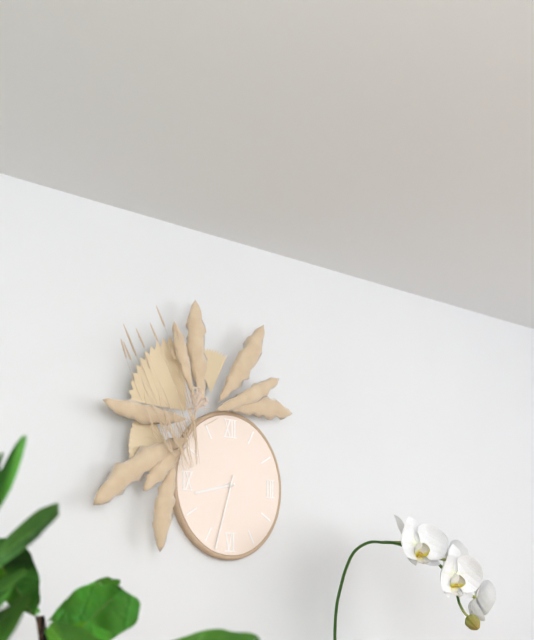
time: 8:33
